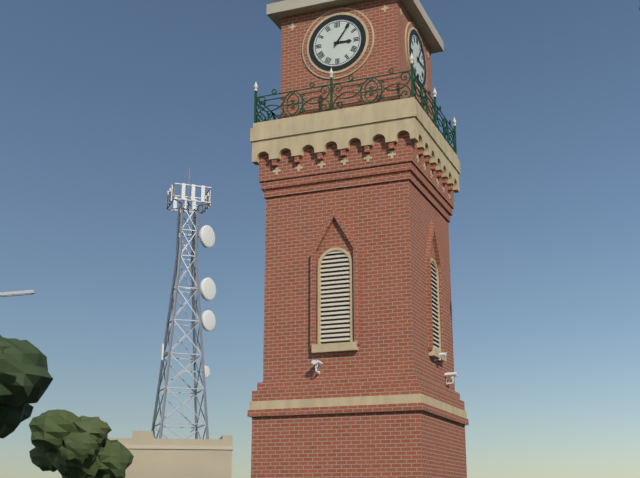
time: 3:06
